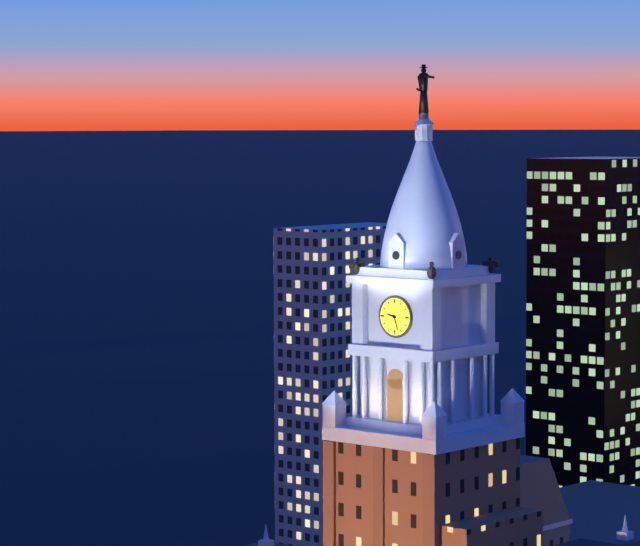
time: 9:27
